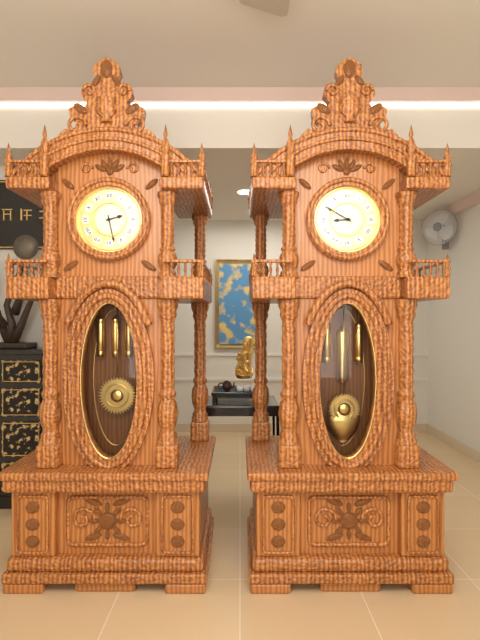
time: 2:28
